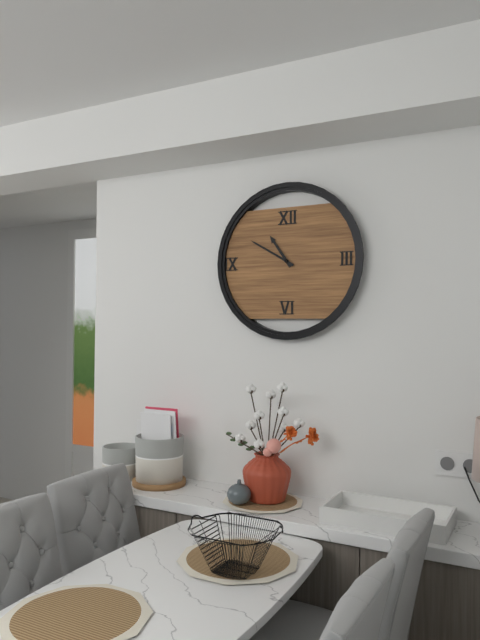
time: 10:50
